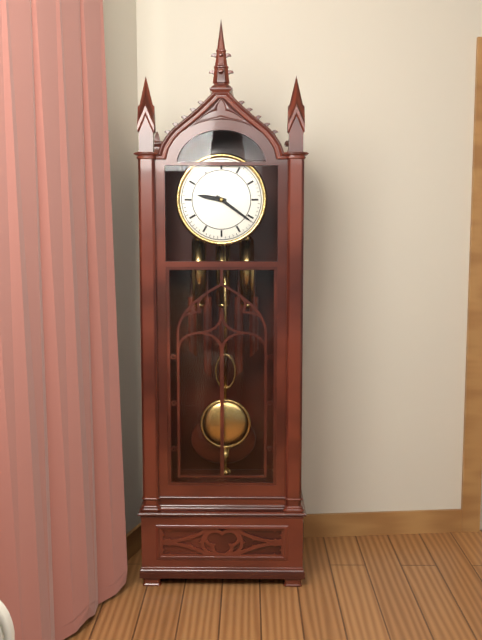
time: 9:21
